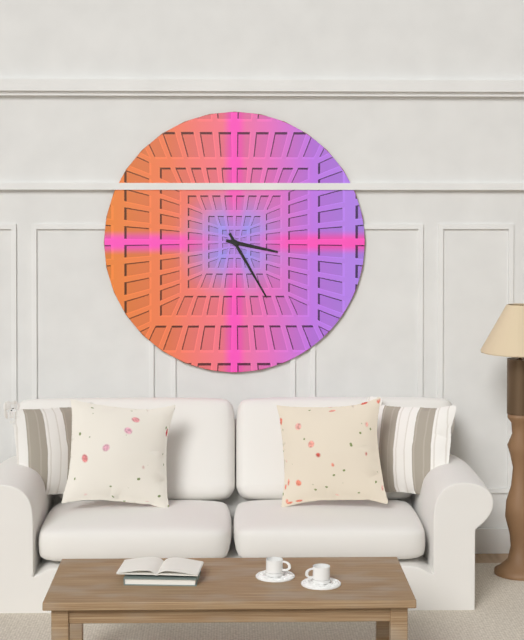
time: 3:25
